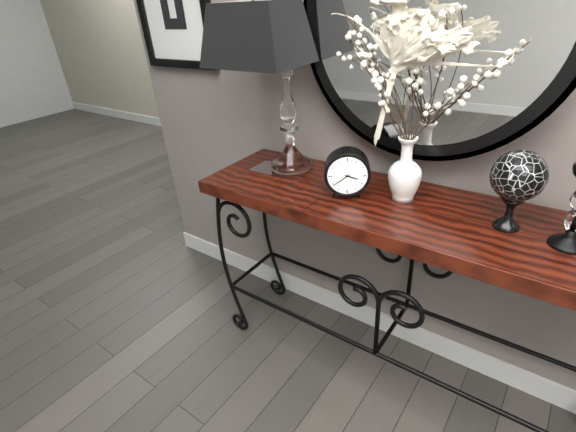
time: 3:39
